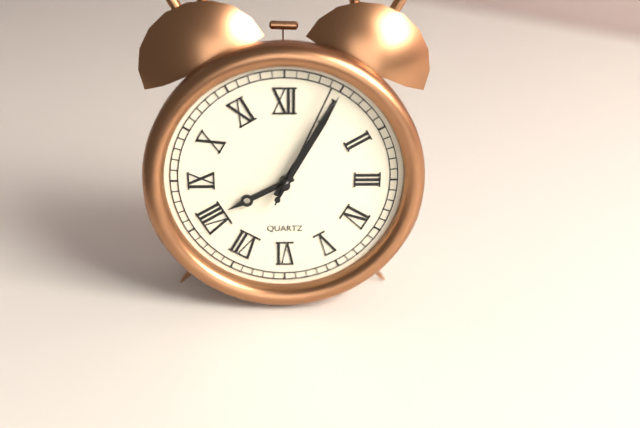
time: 8:05:04
